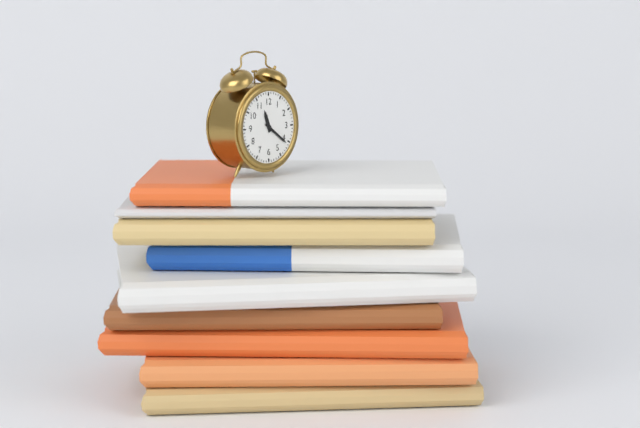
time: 11:21
